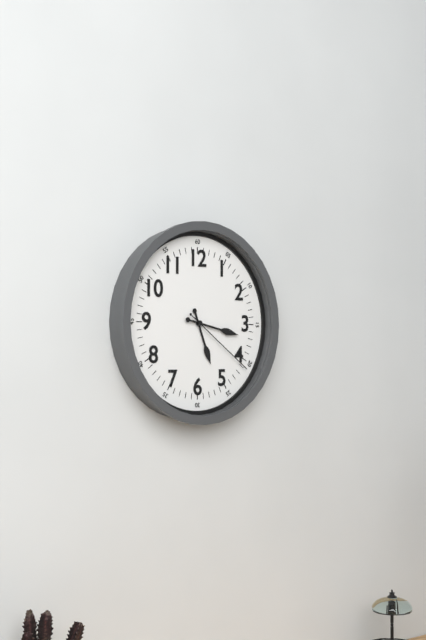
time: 5:17:21
